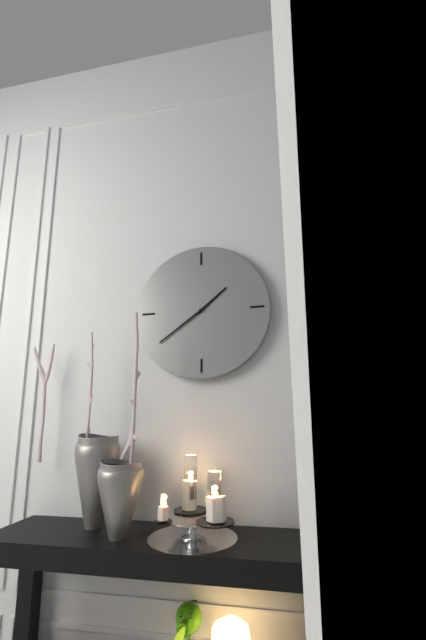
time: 1:39
